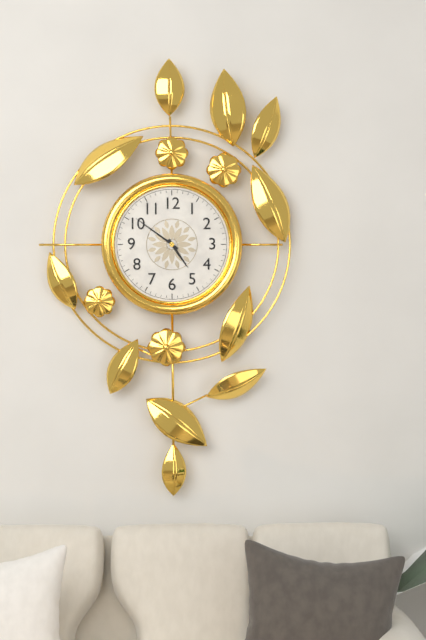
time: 4:51
